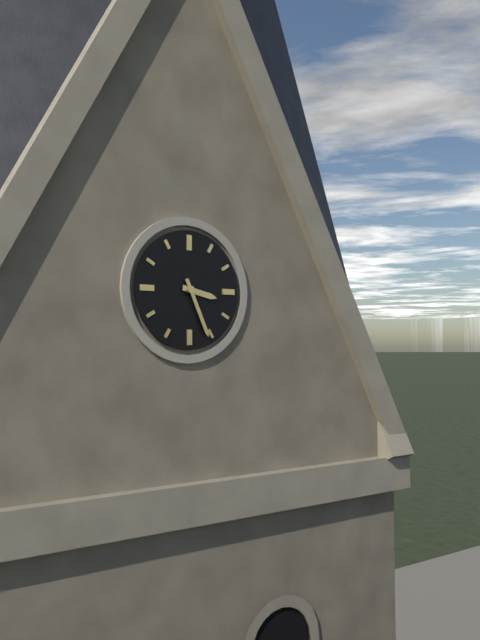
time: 3:26
